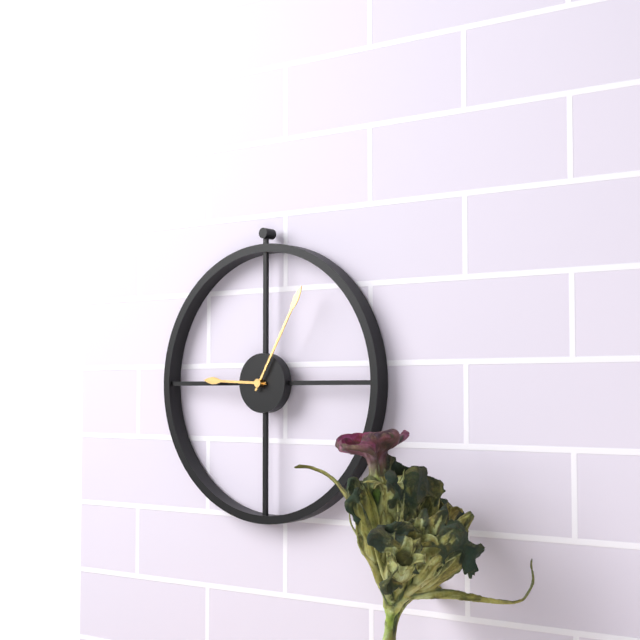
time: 9:05
